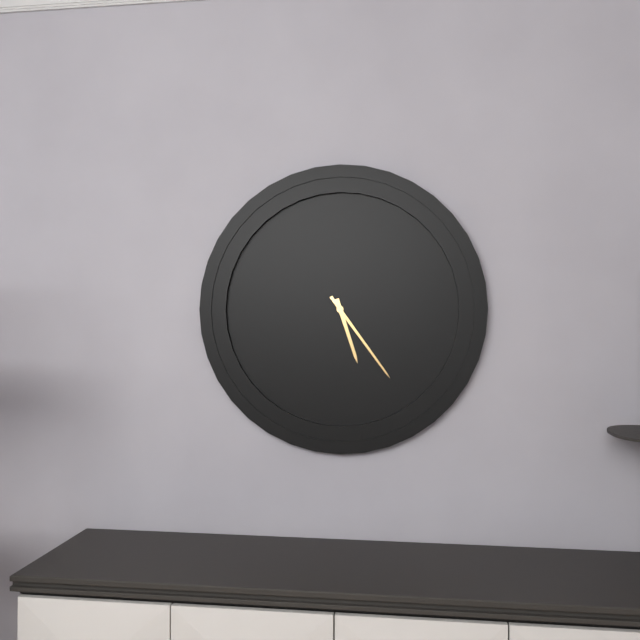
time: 5:24
